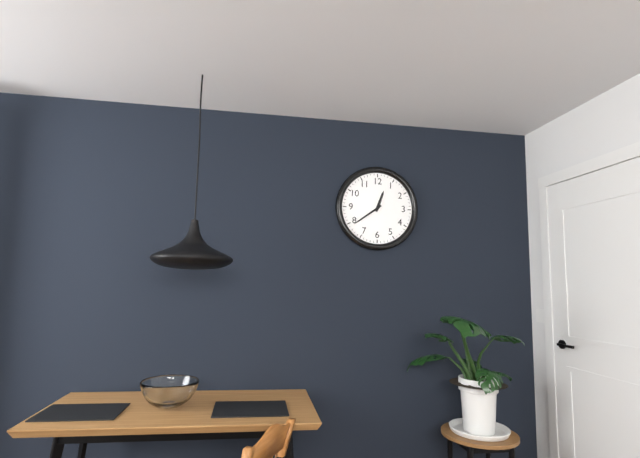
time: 12:39
